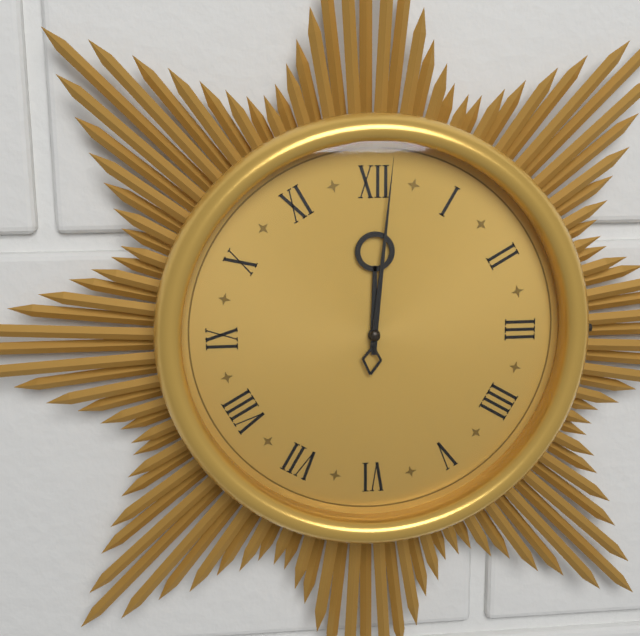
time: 12:01
